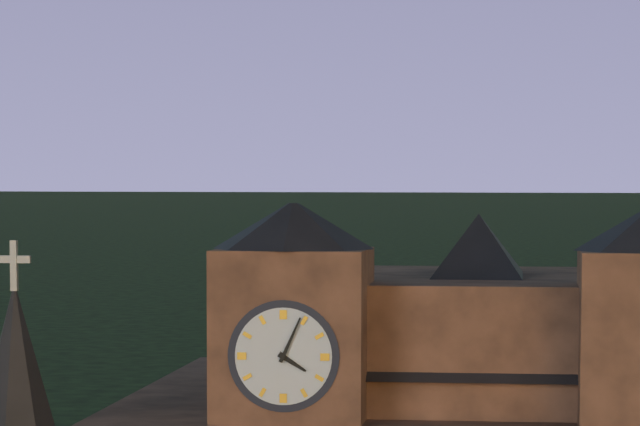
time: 4:04
